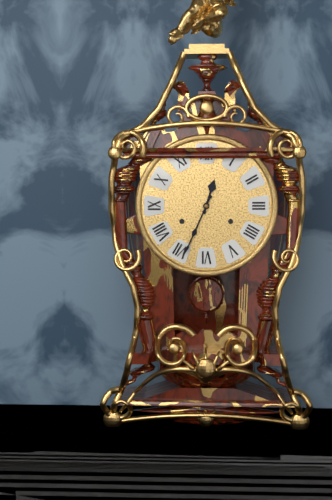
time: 12:34
